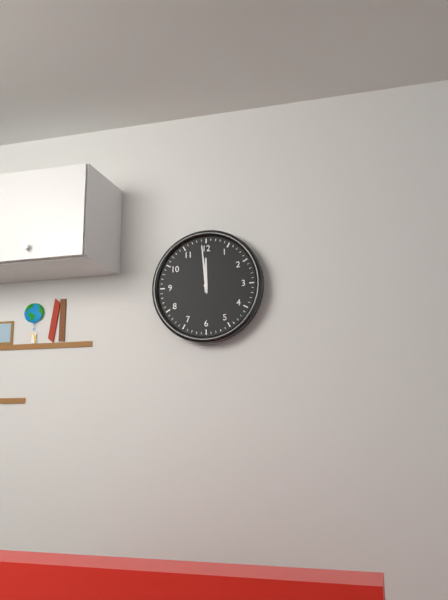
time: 11:59
